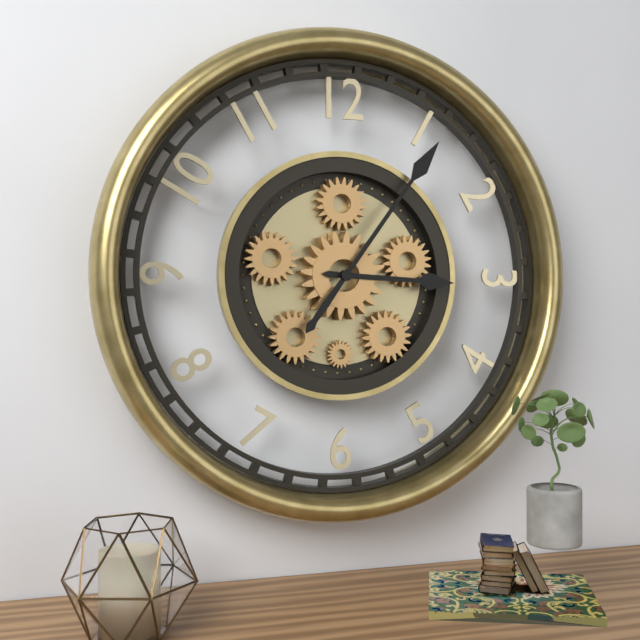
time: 3:06
